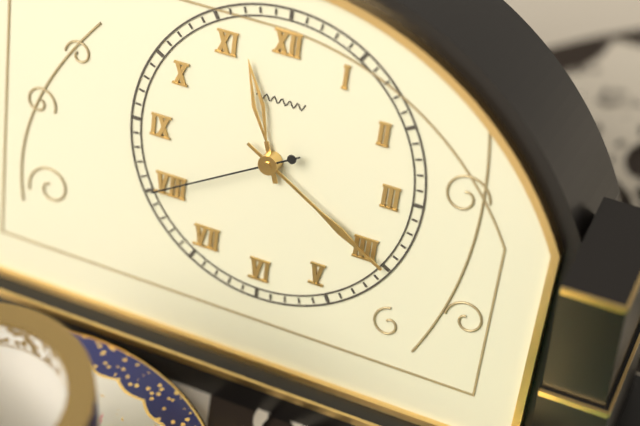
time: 11:20:40
